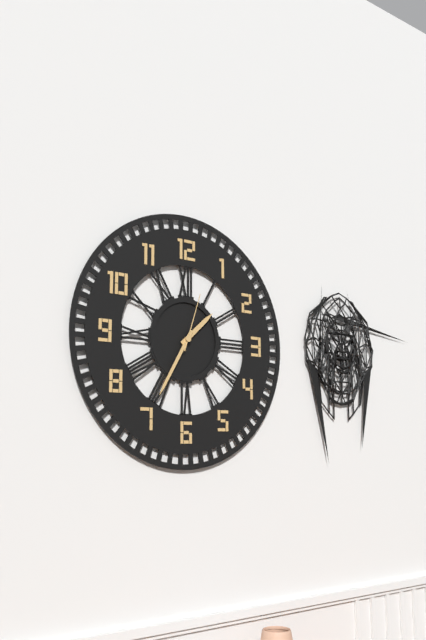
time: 1:35:03
